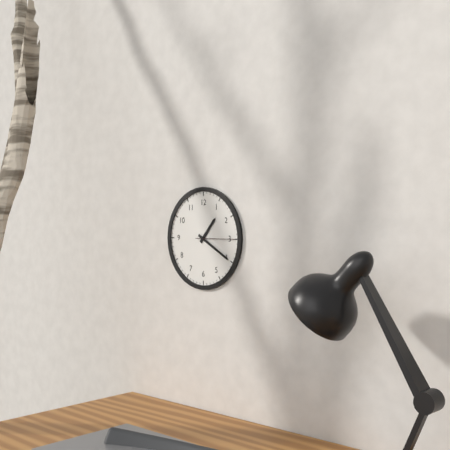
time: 1:20
